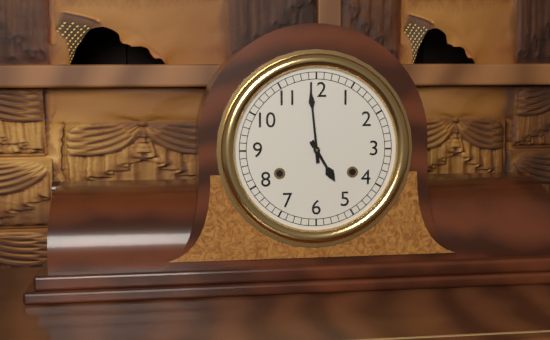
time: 4:59
